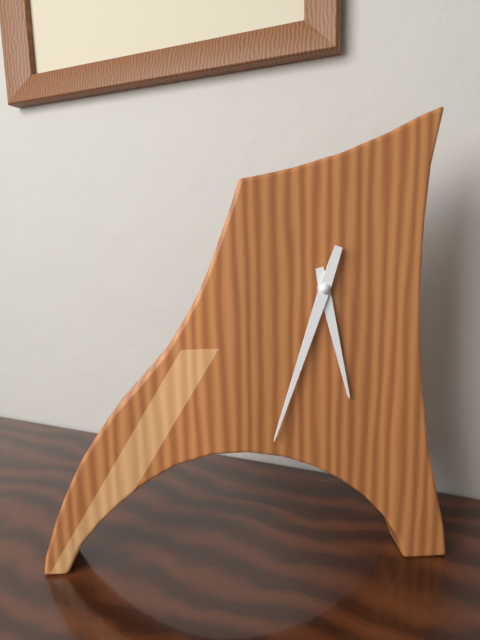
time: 5:33
